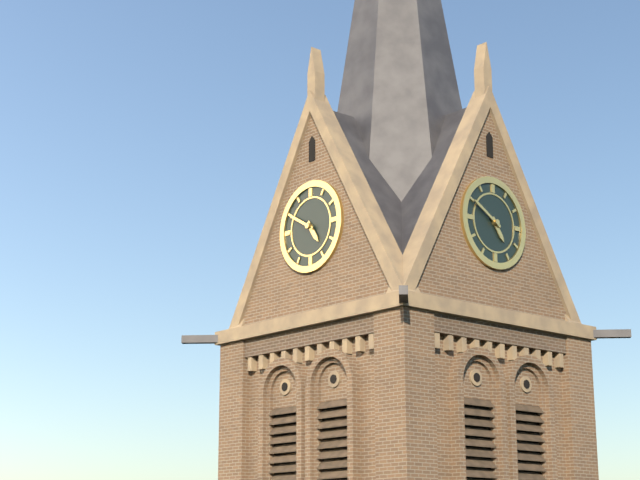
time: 4:50
